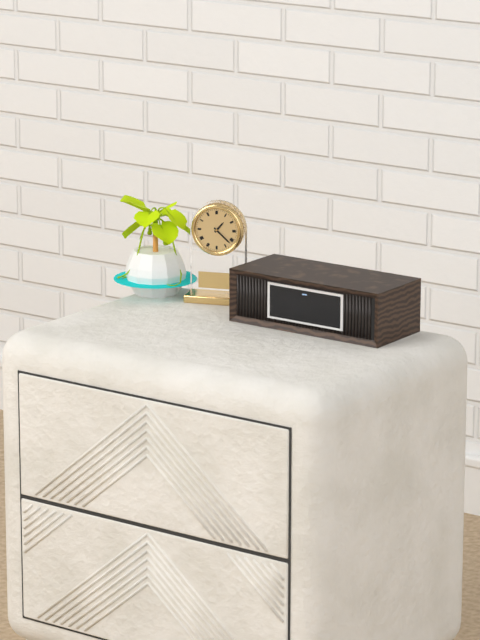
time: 1:22
